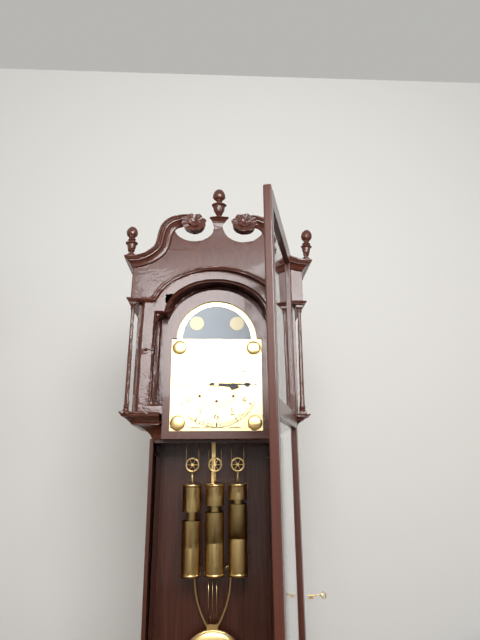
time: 3:15
